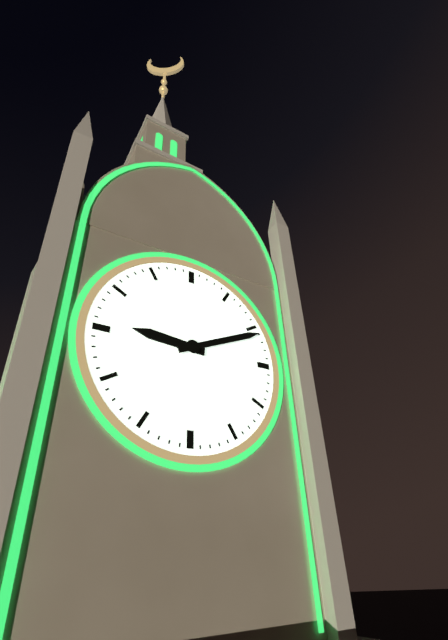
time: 9:11
